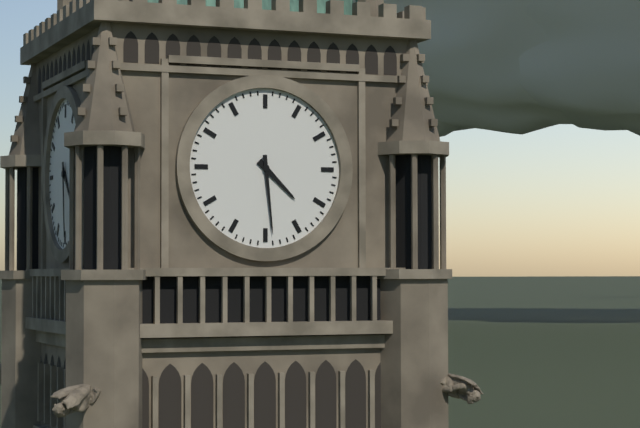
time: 4:29
